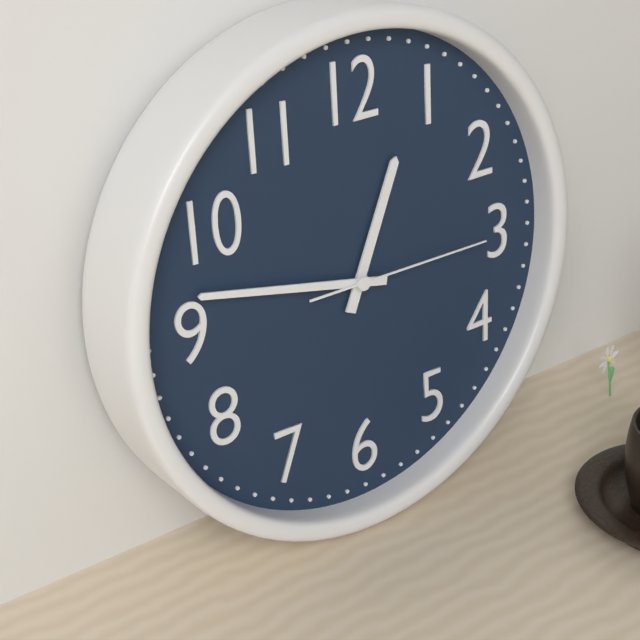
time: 12:47:15
